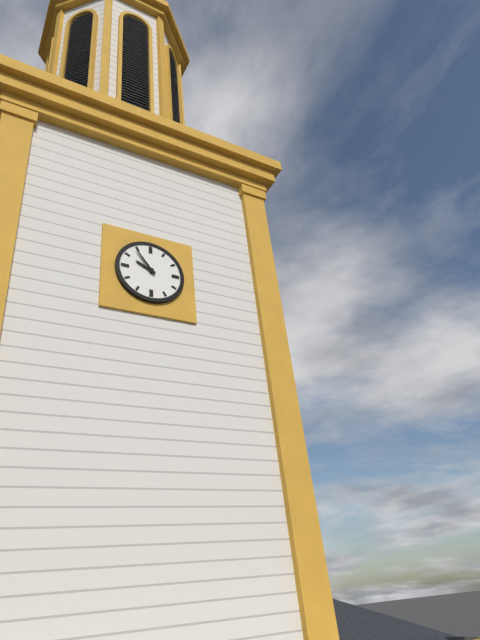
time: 9:54
